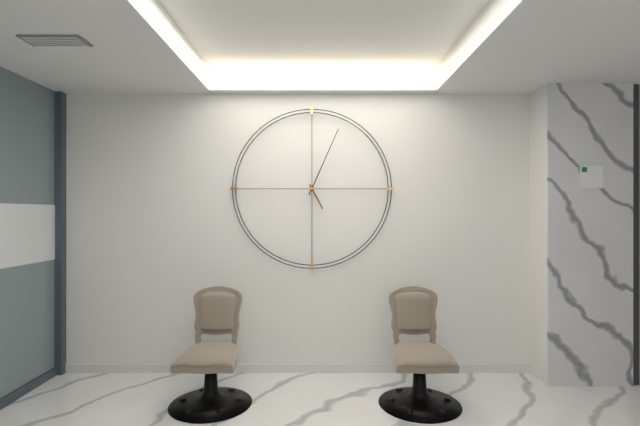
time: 5:04
